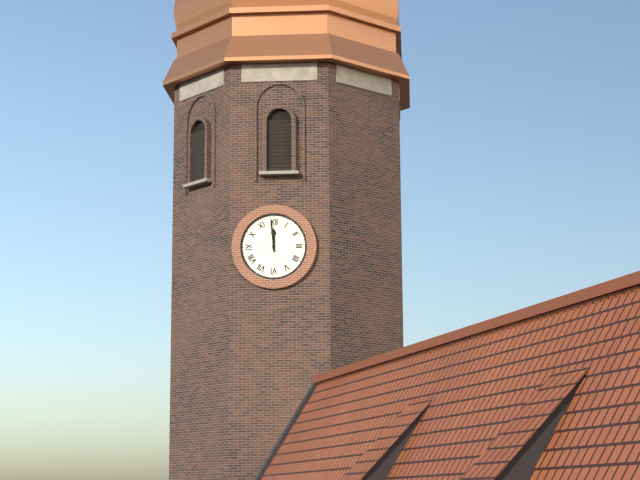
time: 11:59
